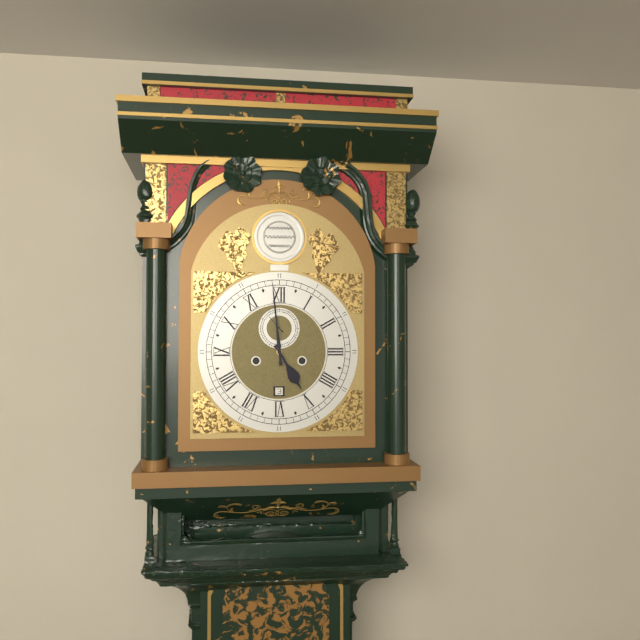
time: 4:59
